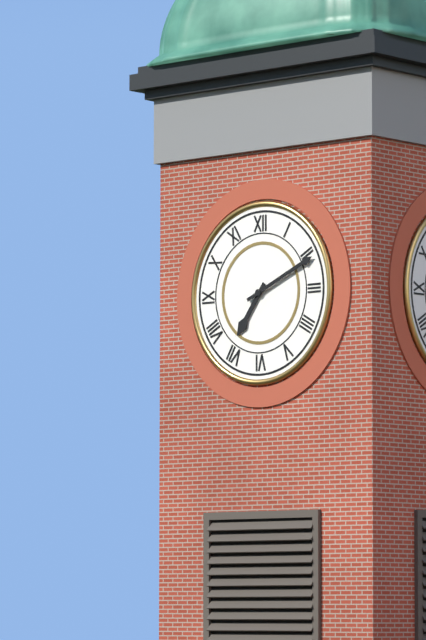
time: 7:11
